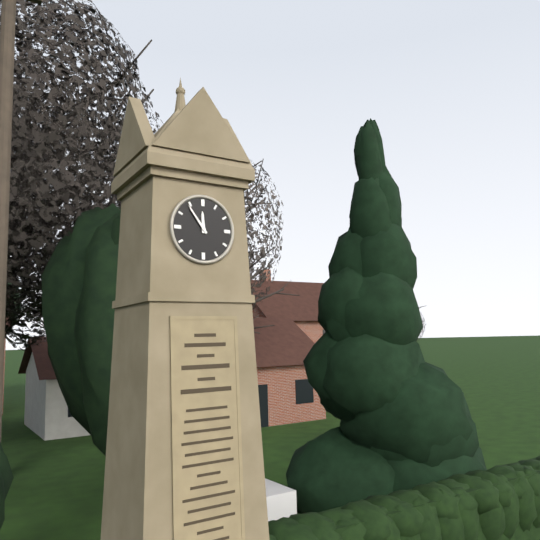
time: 11:54
